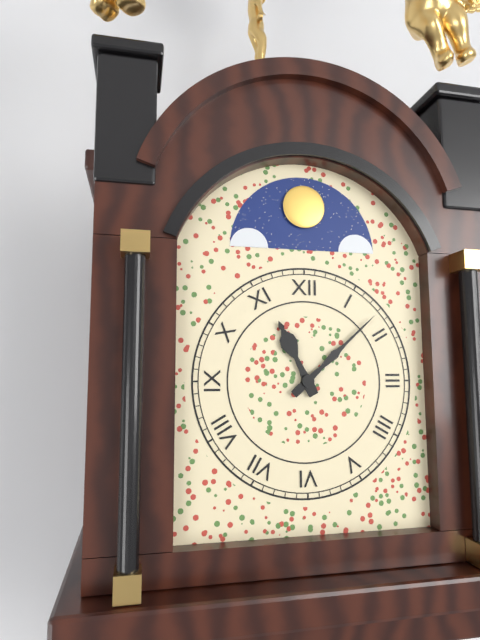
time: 11:08
